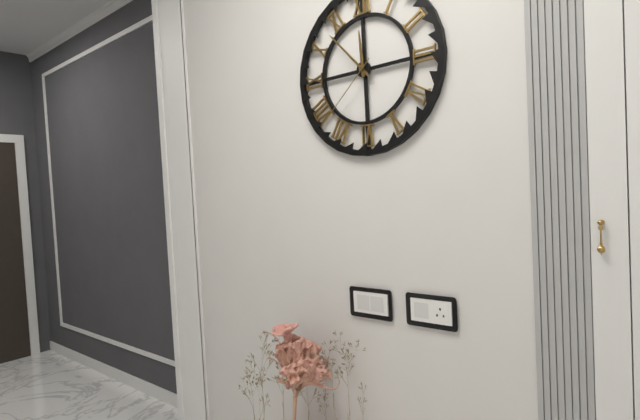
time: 11:53:38
